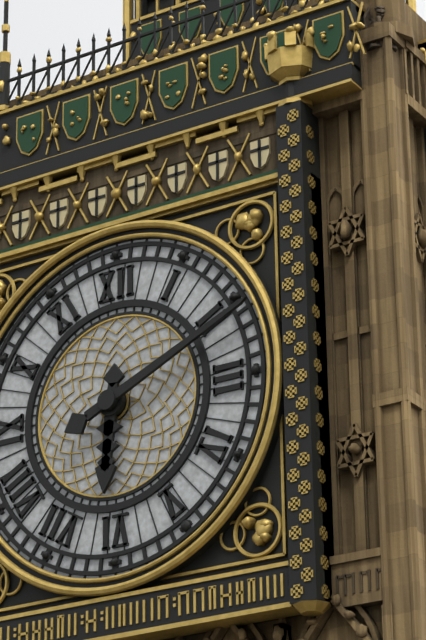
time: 6:11
